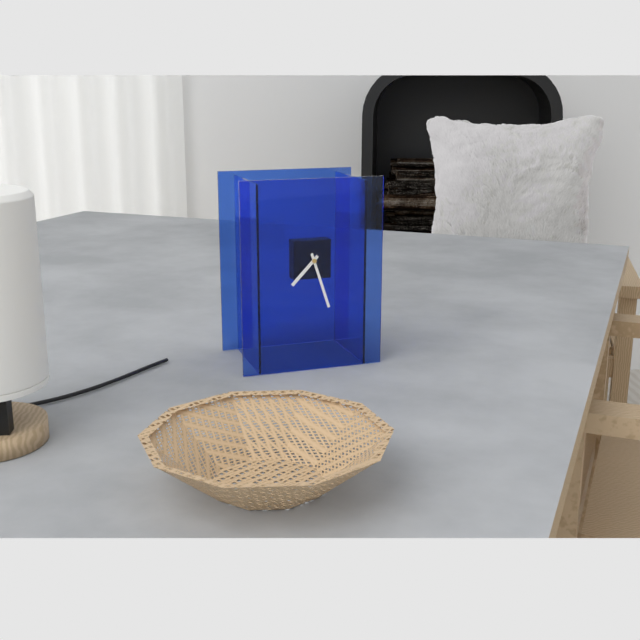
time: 7:27
